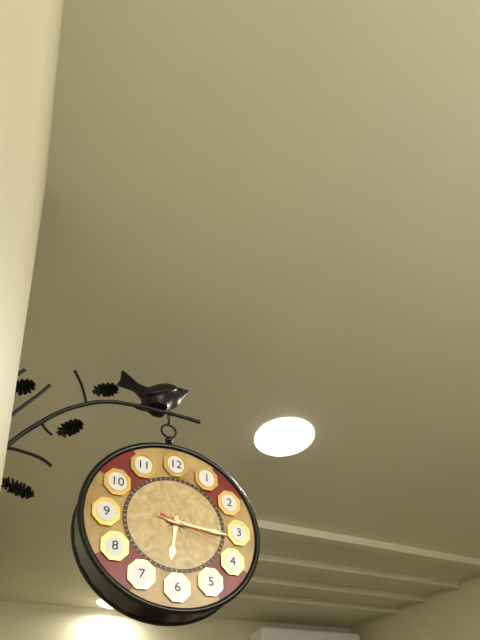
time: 6:16:18
